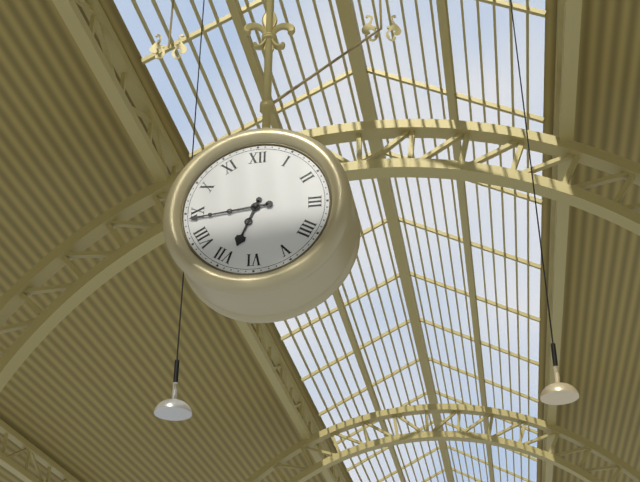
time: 6:44
